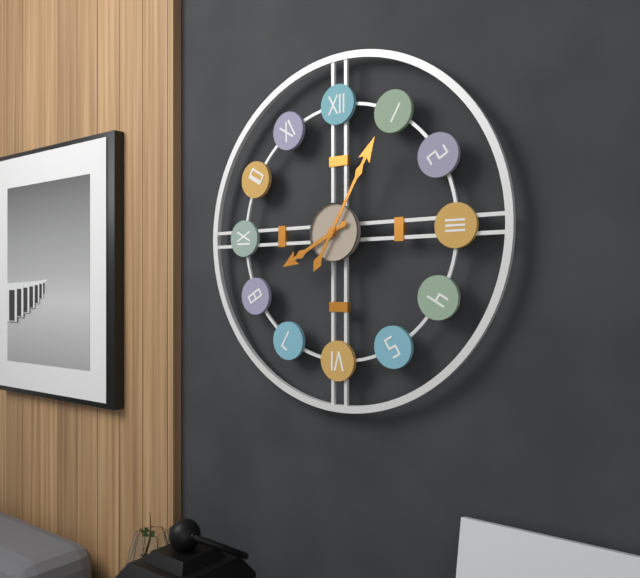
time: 8:05
